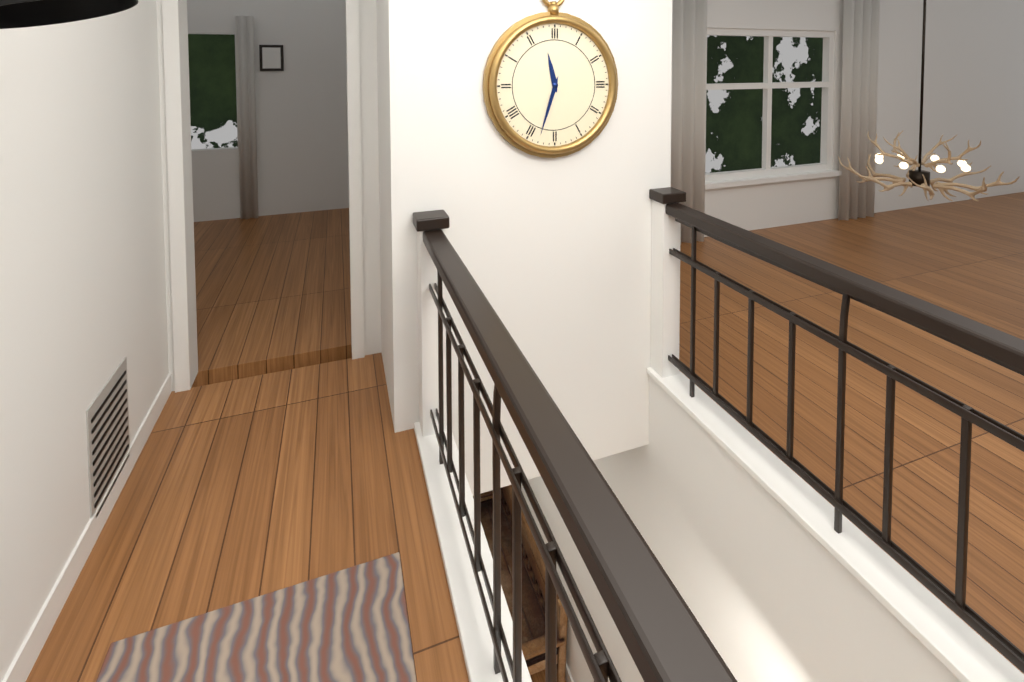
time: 11:33
